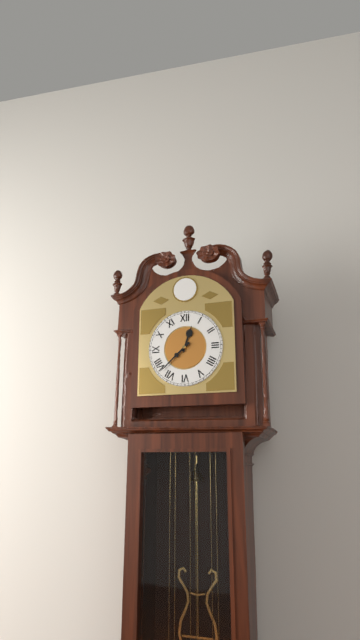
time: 12:38
